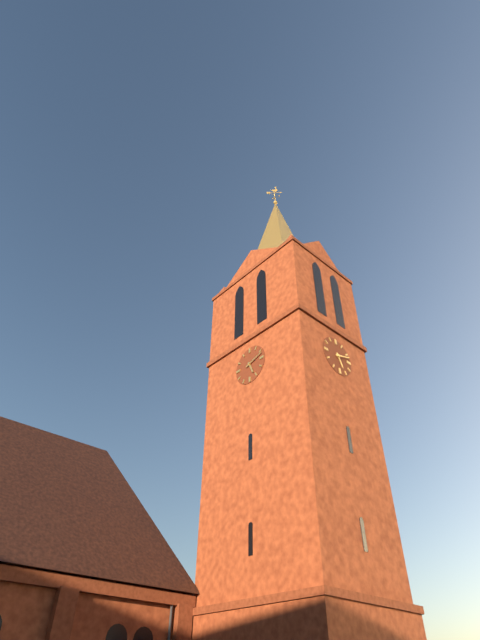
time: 5:12
